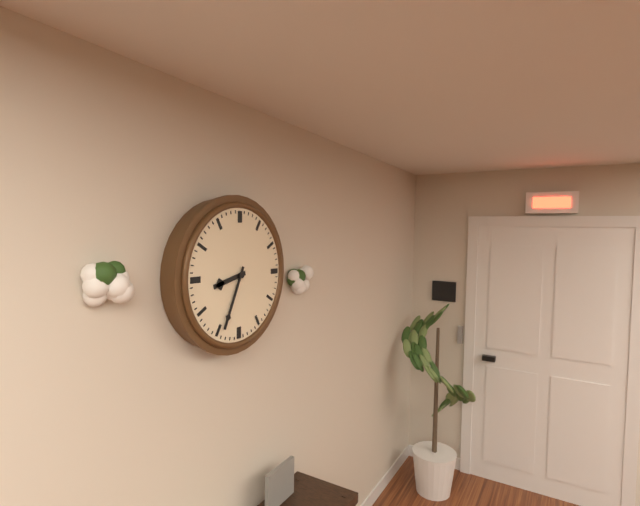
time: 8:34
